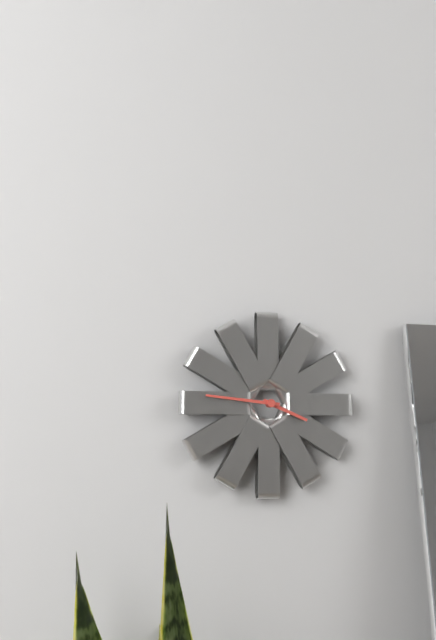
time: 3:46
